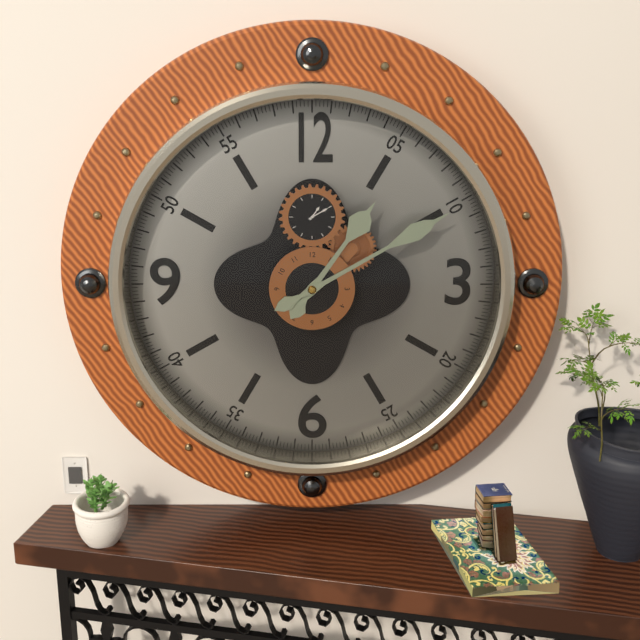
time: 1:10
